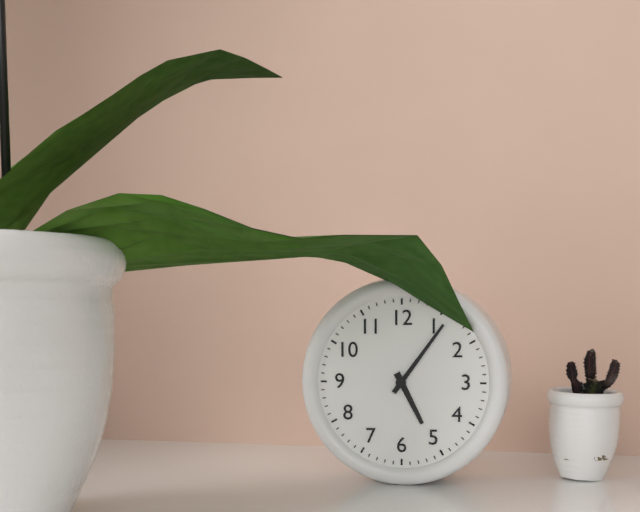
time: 5:06
